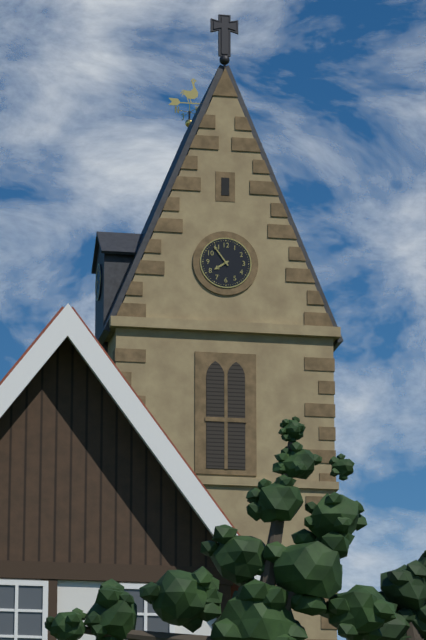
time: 7:54
